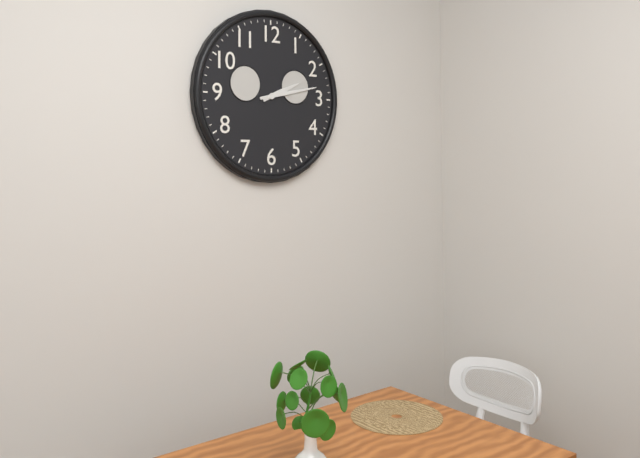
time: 2:13
